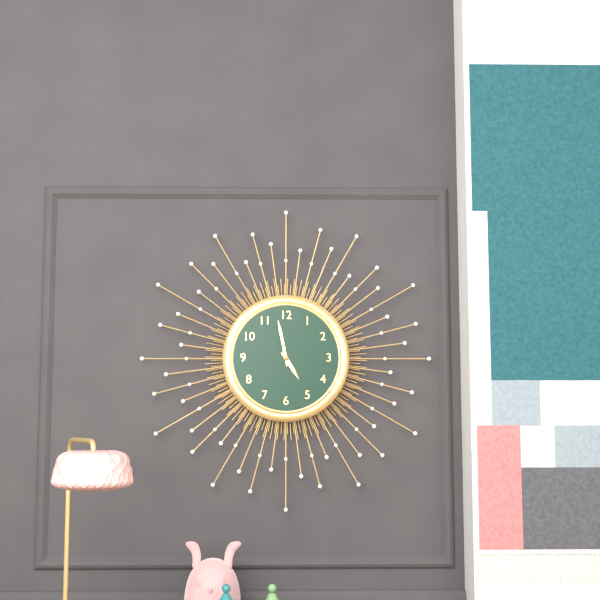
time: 4:58
